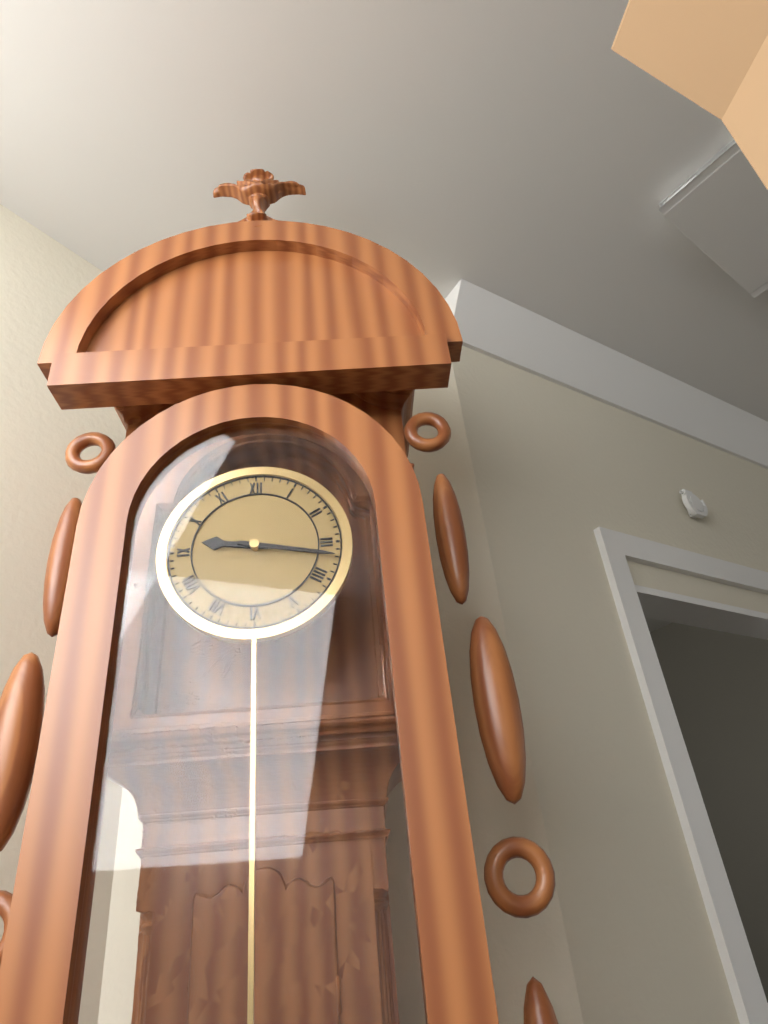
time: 9:17
